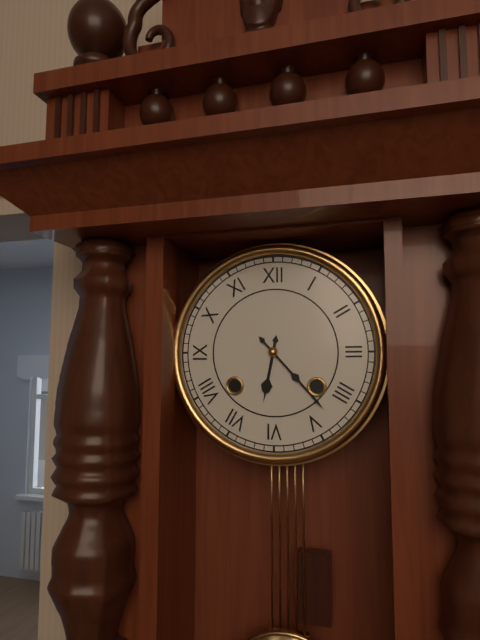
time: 6:23
